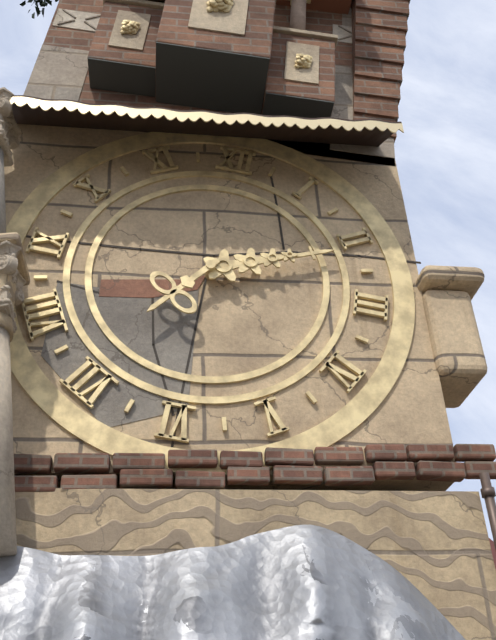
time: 7:11
